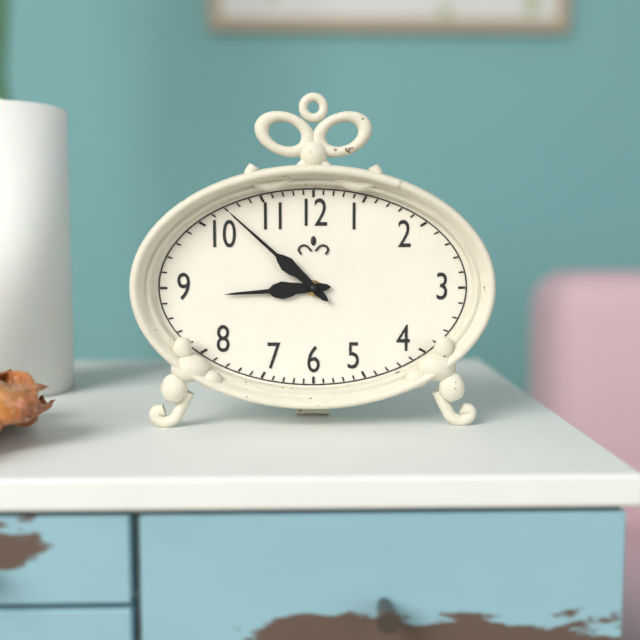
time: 8:52
